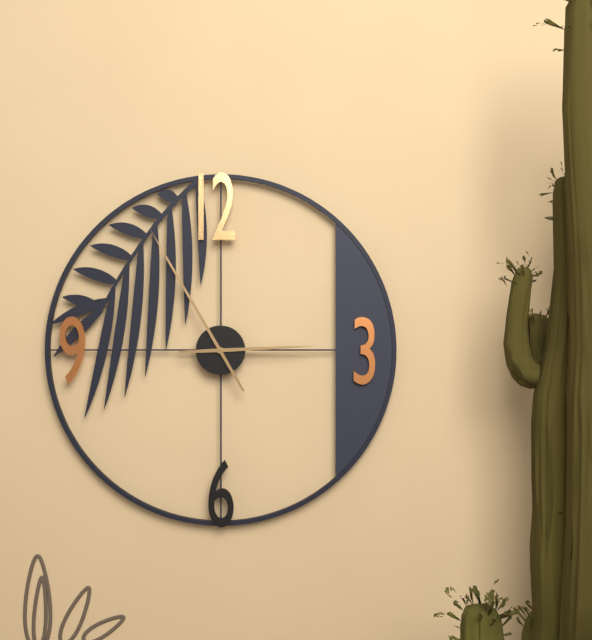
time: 2:55
